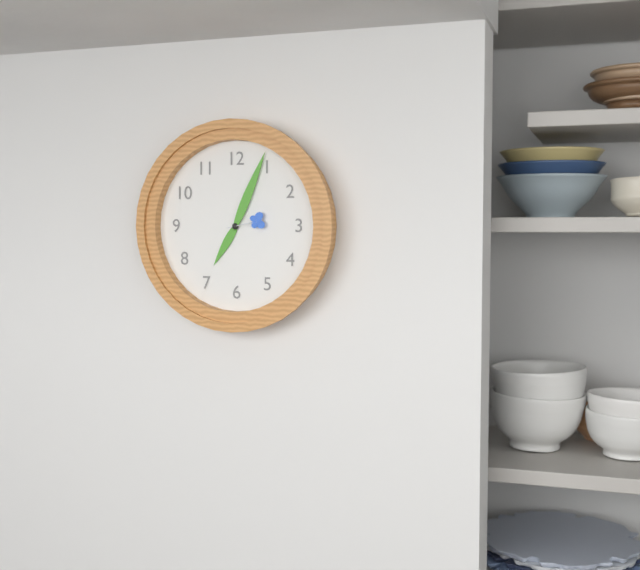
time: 7:04
